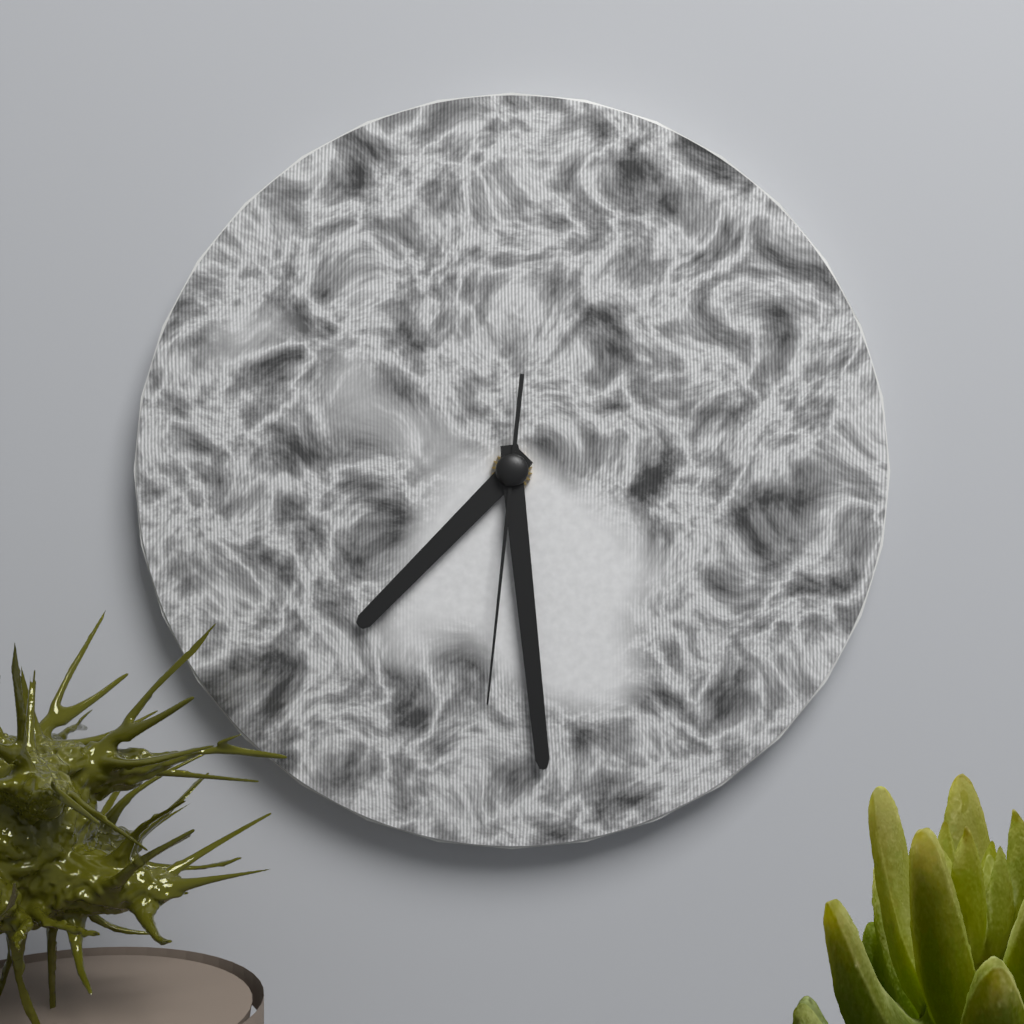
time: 7:29:31
